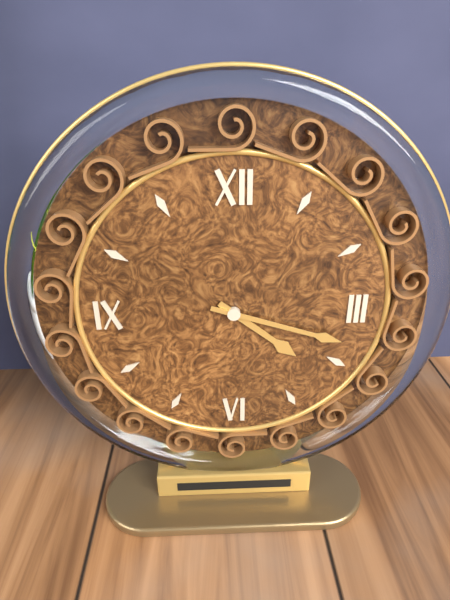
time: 4:18
